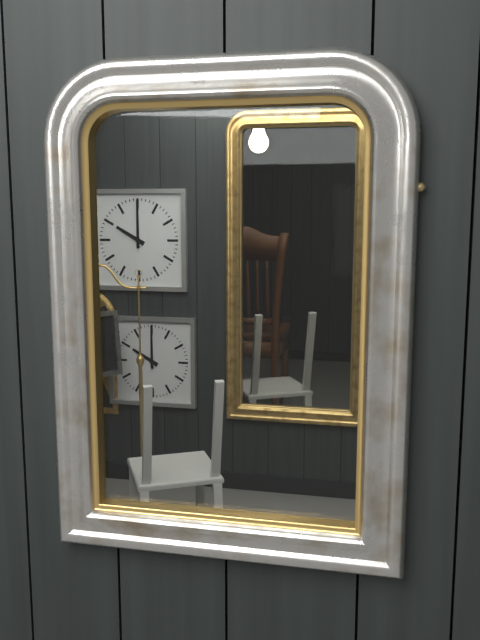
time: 10:00
